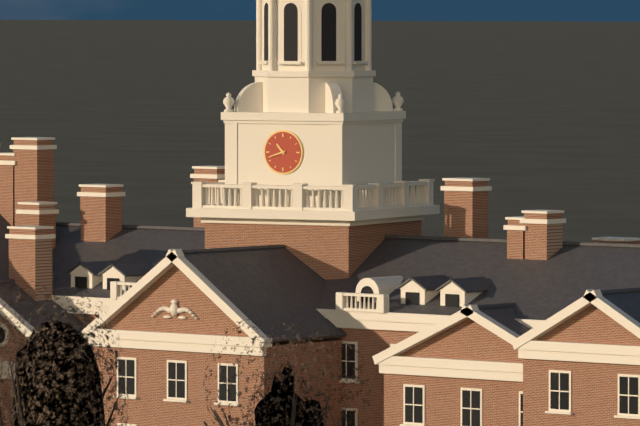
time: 10:42
